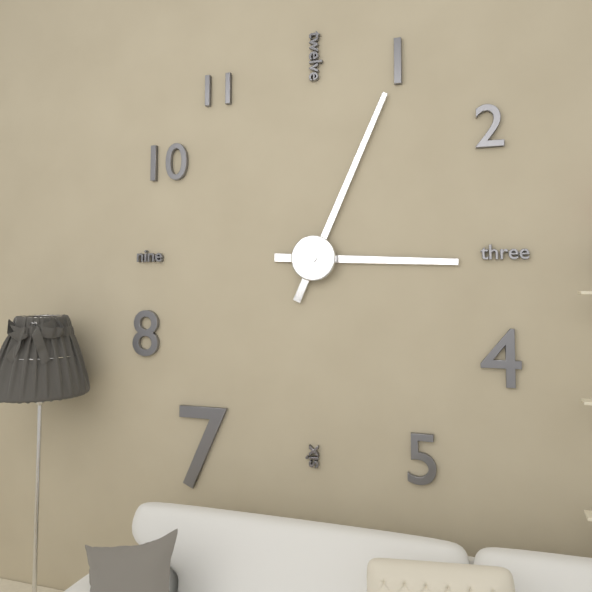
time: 3:04
